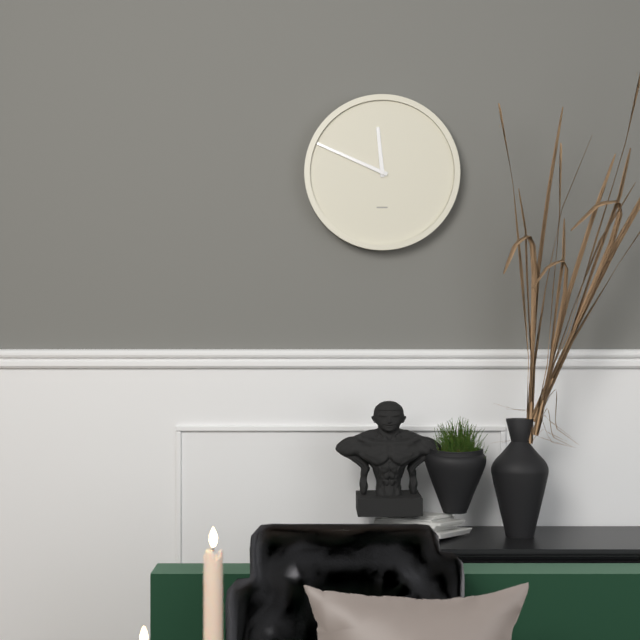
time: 11:49
